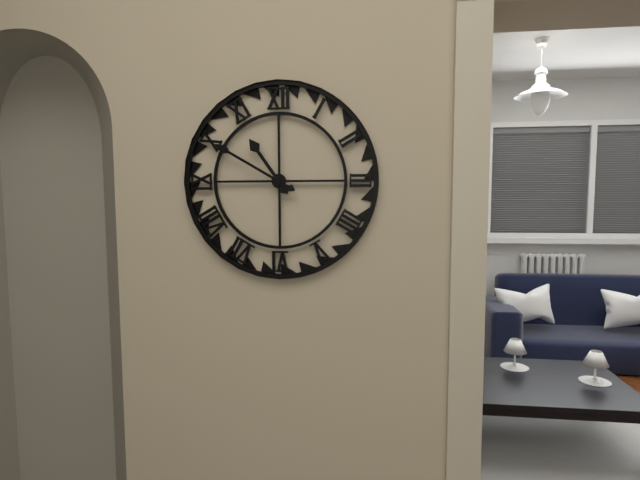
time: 10:50
